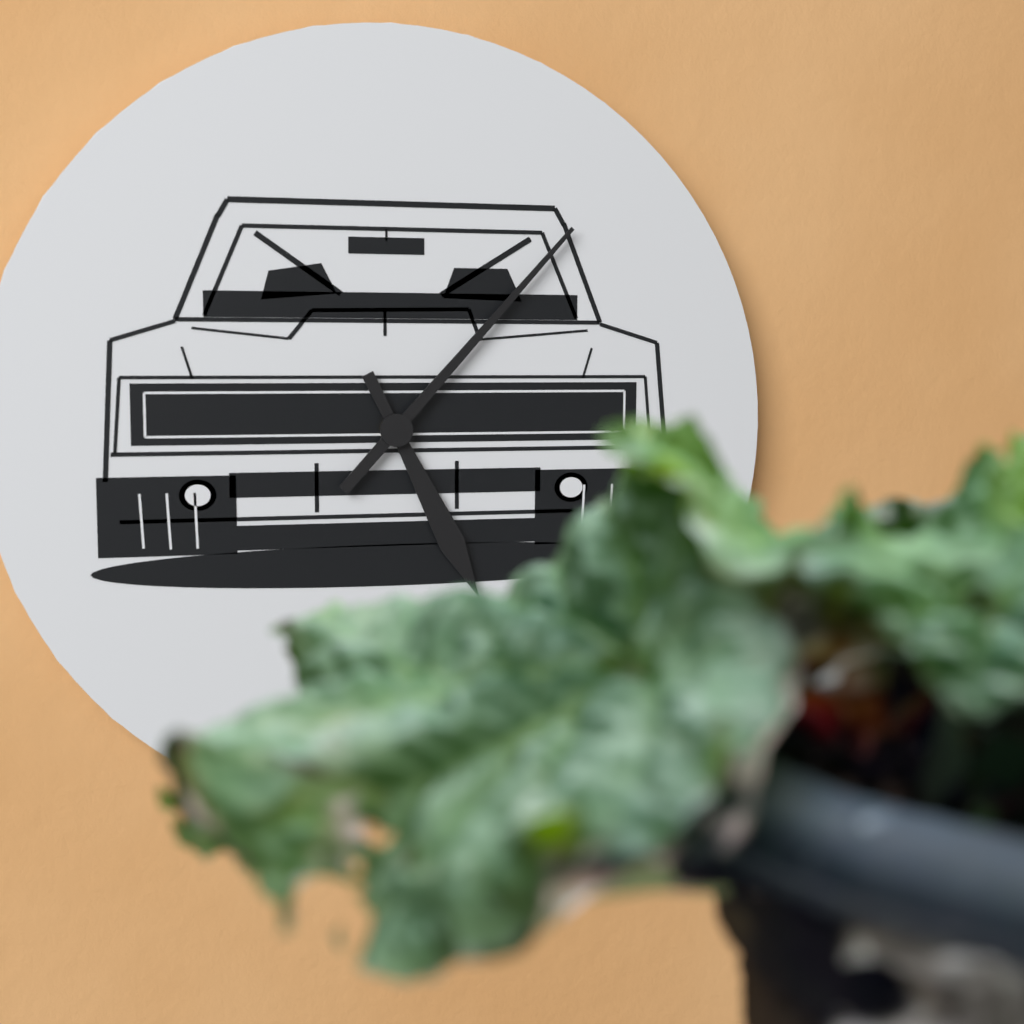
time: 5:07
